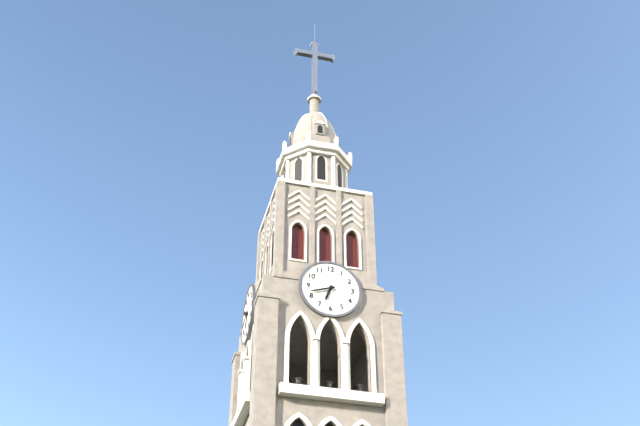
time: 6:42
